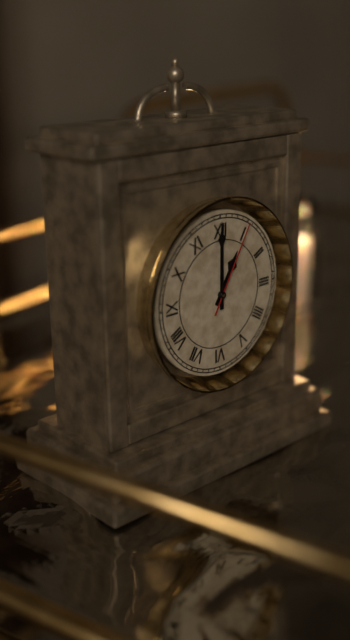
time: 1:00:05
